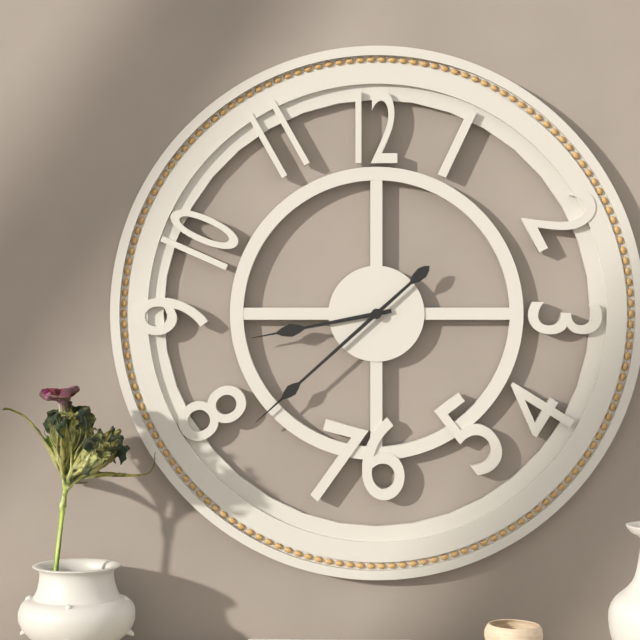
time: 8:38
